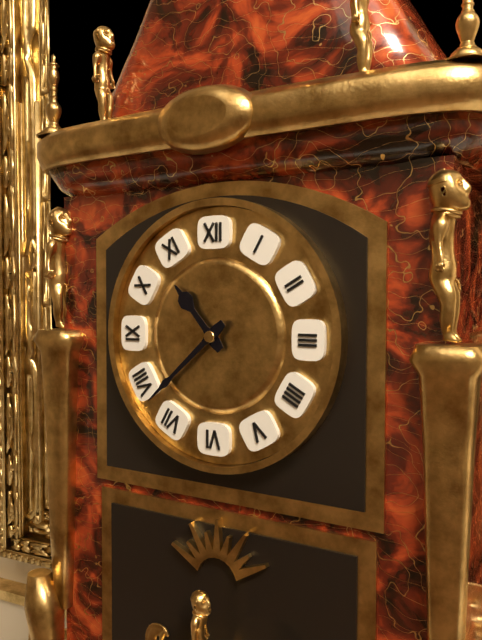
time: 10:38
